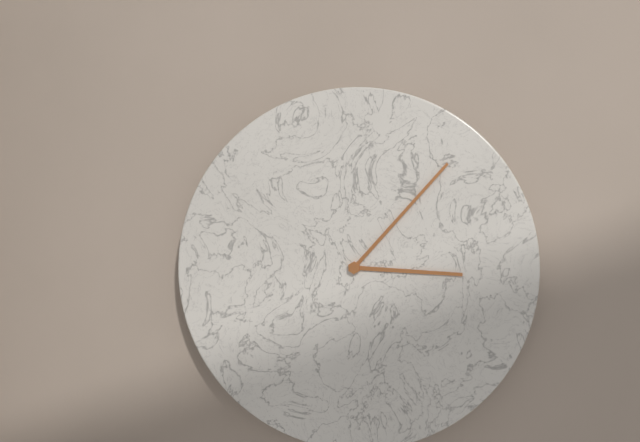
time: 3:07
